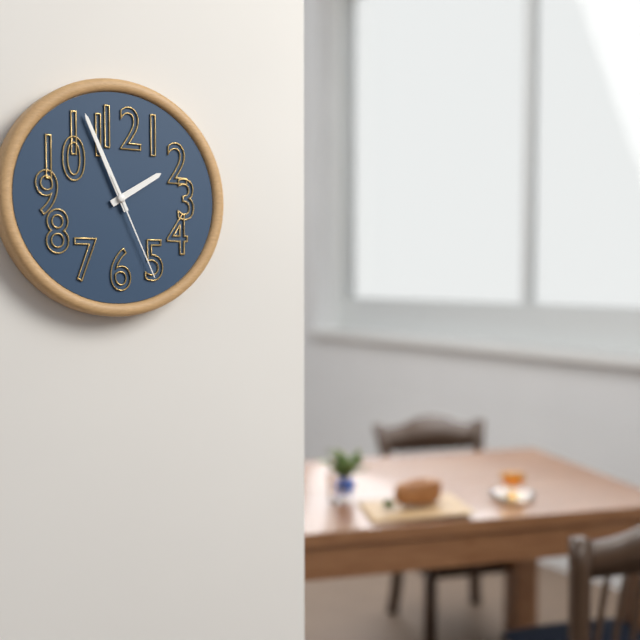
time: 1:56:26
